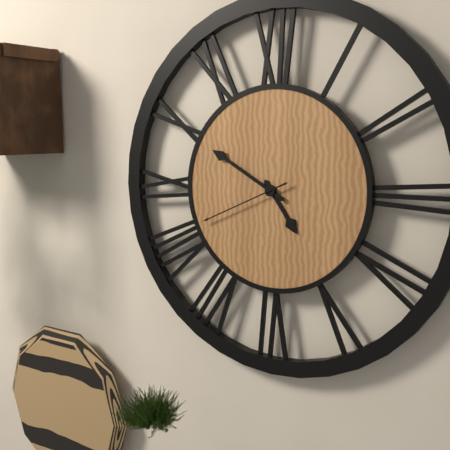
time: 4:50:41
